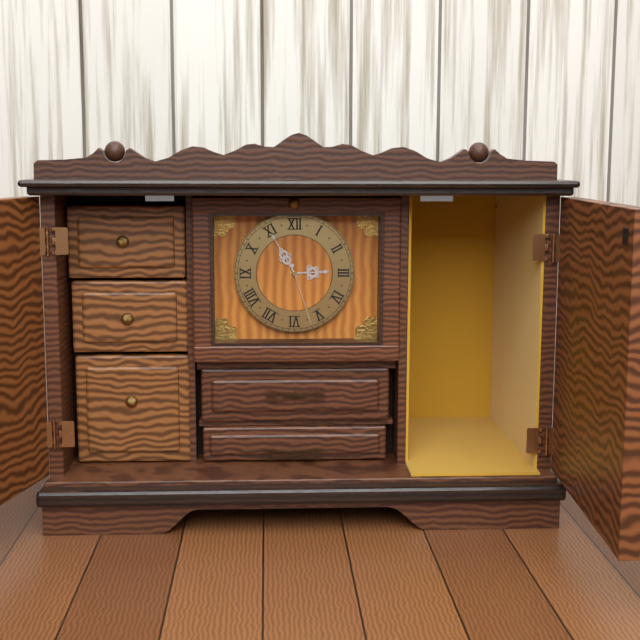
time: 2:55:27
